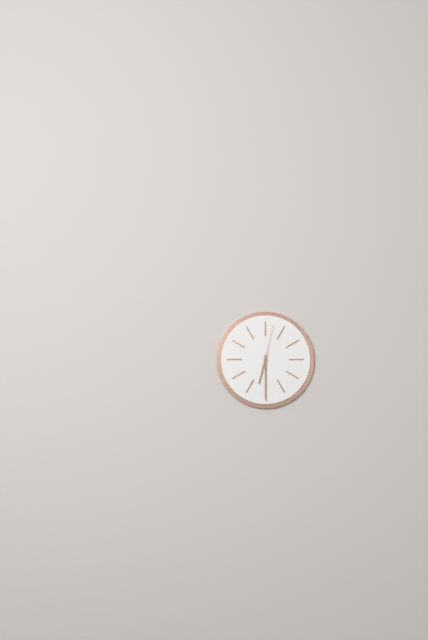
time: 6:30
